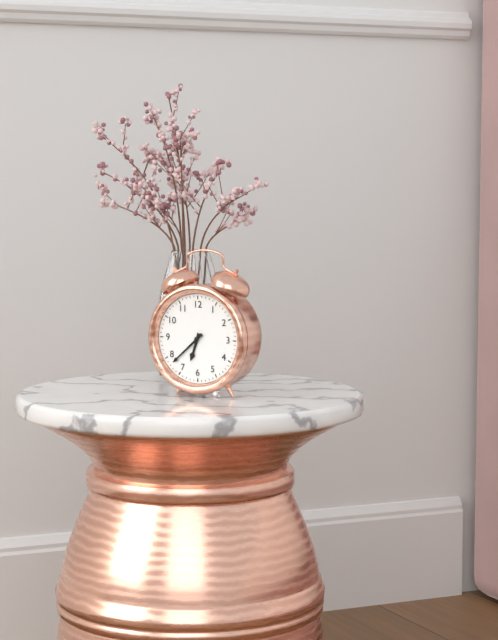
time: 6:38
